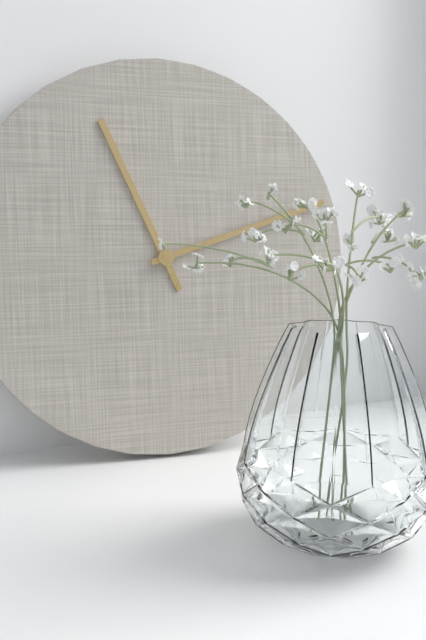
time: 11:12
